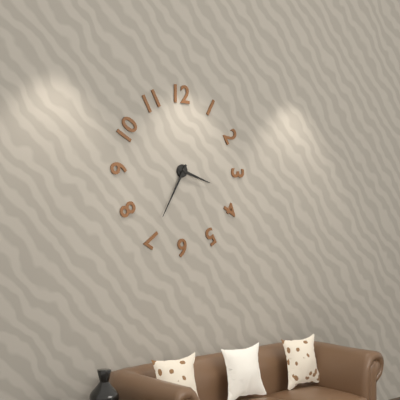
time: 3:35
